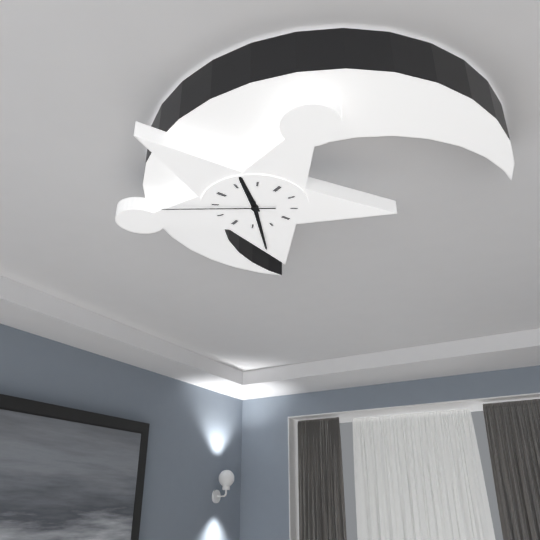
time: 10:23:39
